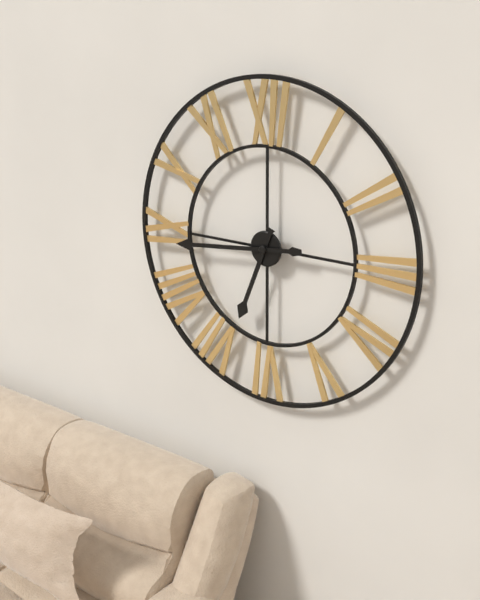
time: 6:44
